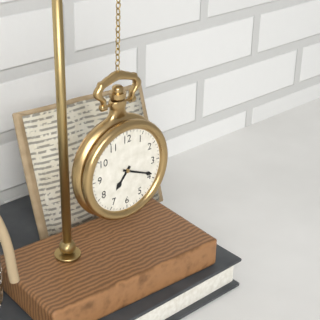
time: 7:19
